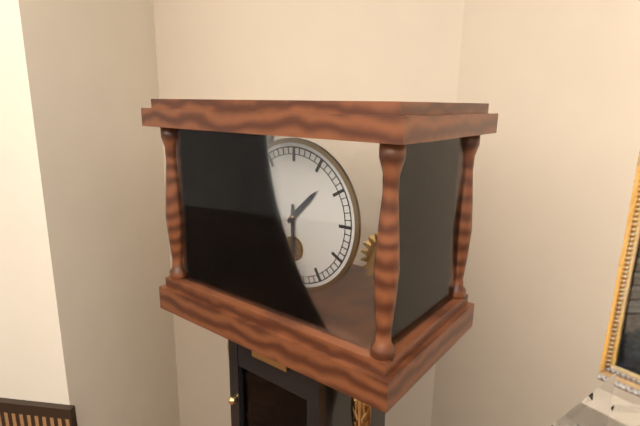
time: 1:30
